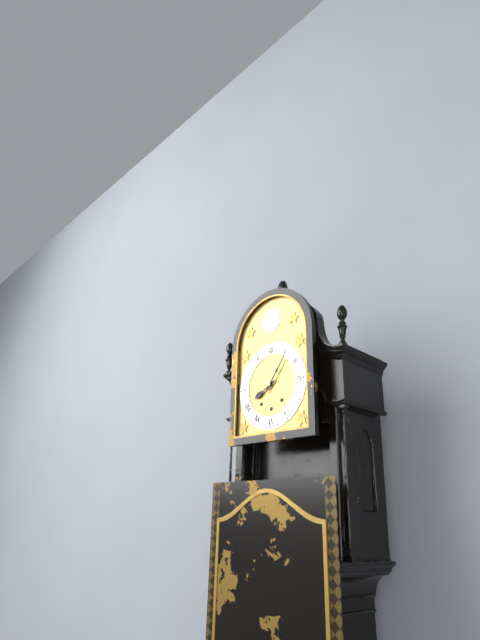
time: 8:06
